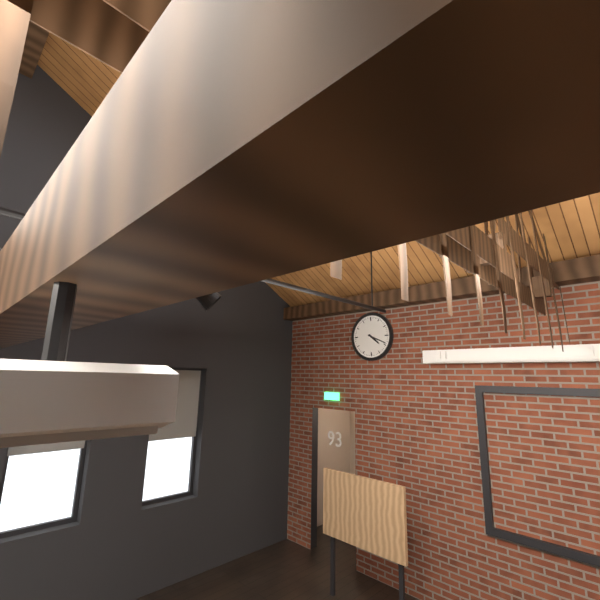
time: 4:19
